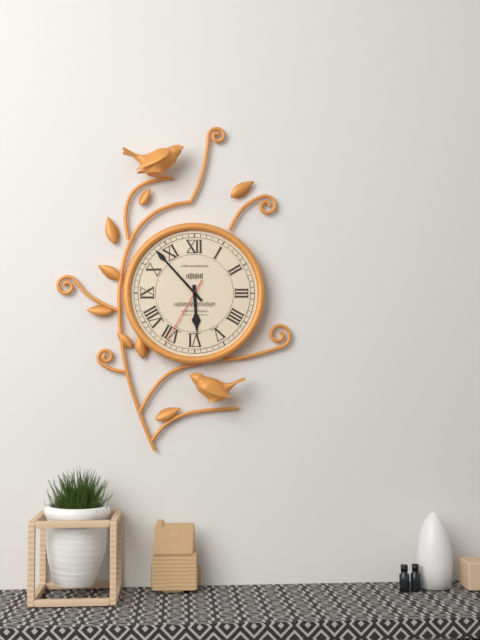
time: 5:53:35
